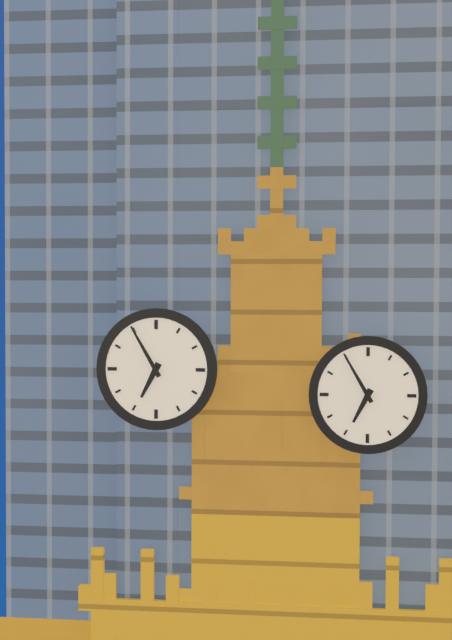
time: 6:55
